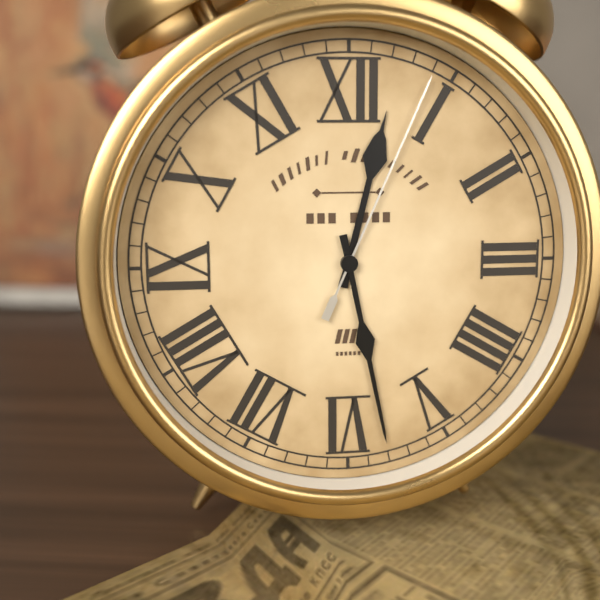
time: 12:28:04
